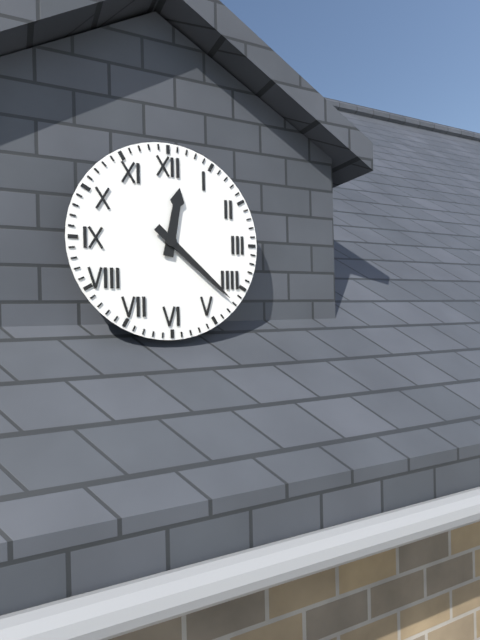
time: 12:22
